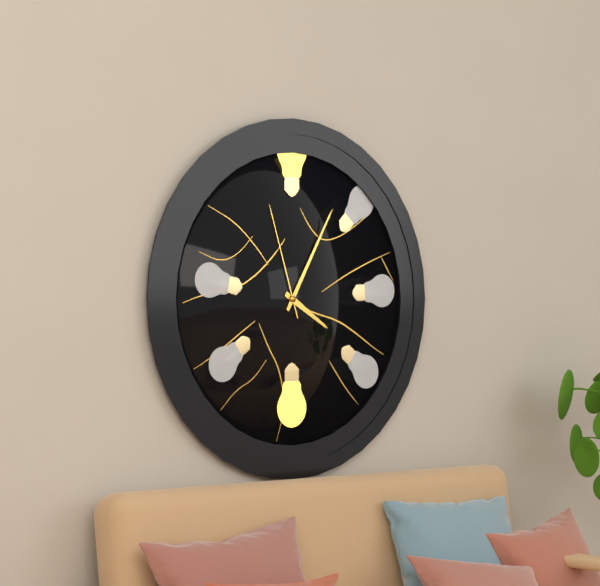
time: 4:05:57
